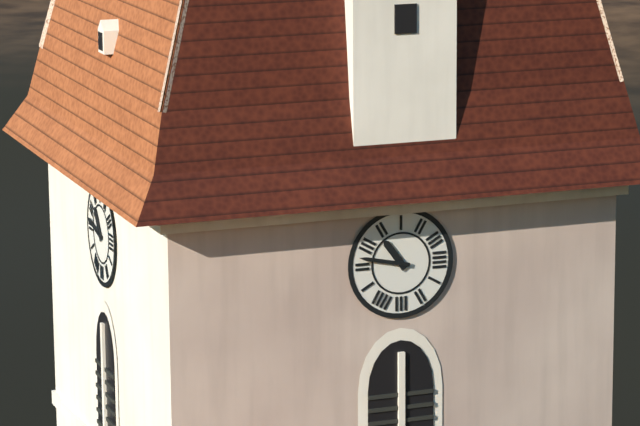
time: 10:47
